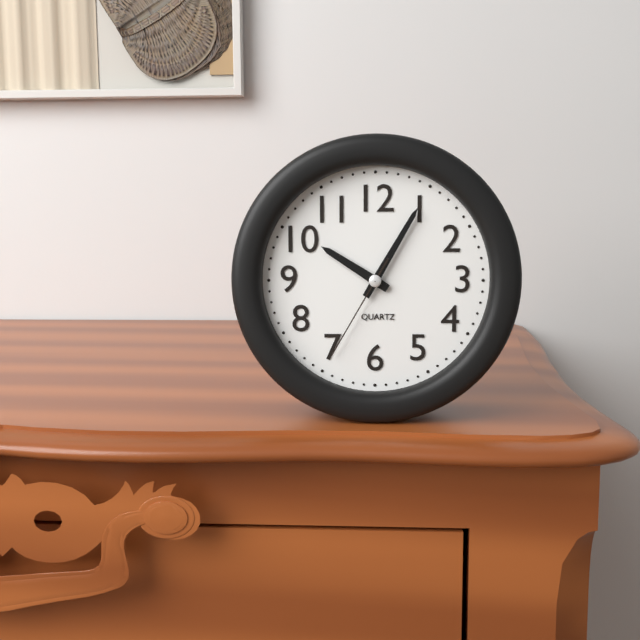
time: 10:05:35
